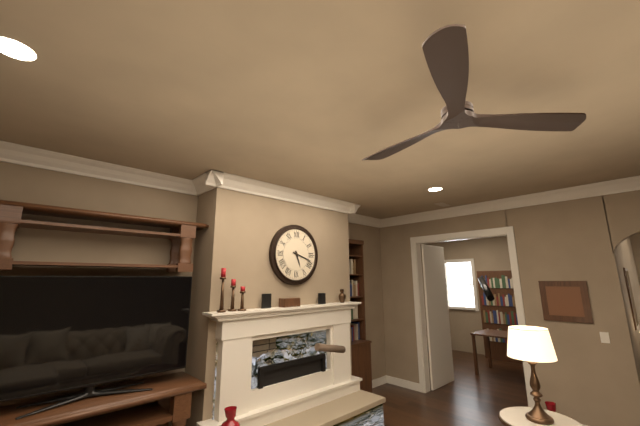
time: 5:18
